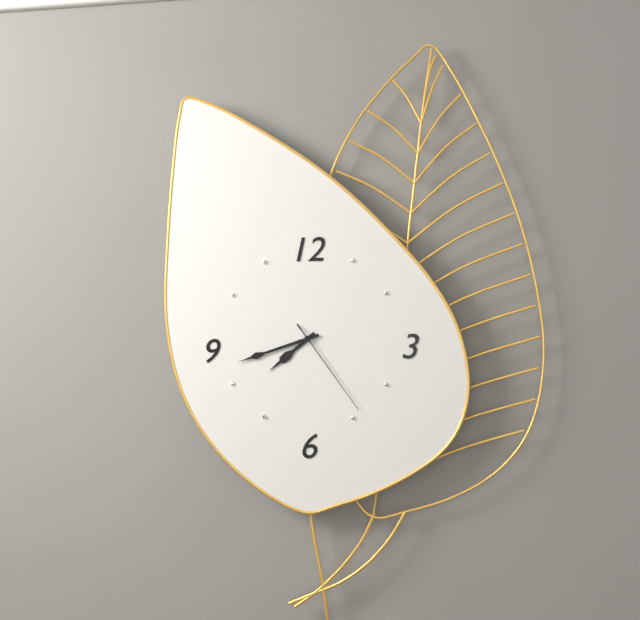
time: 7:42:24
